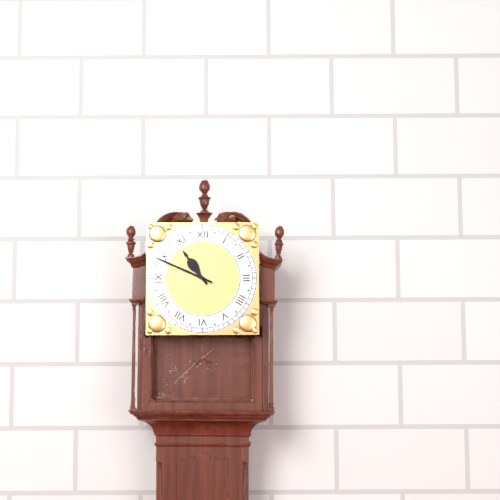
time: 10:49
